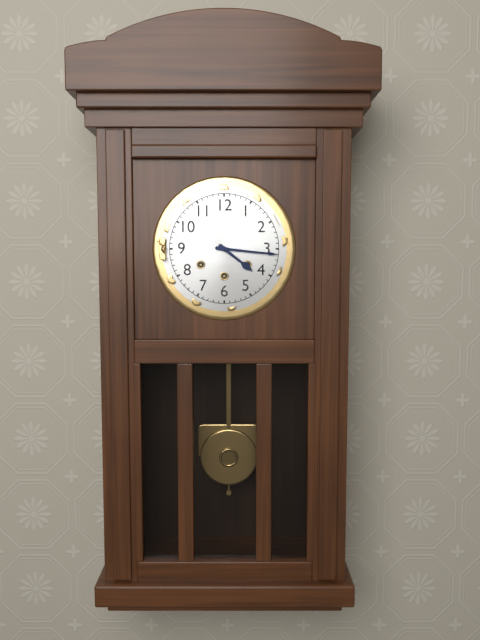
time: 4:16
